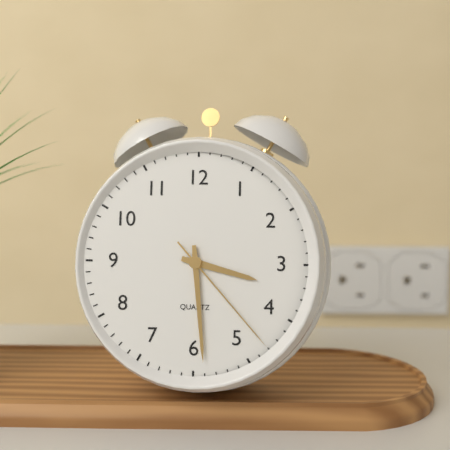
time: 3:29:23
